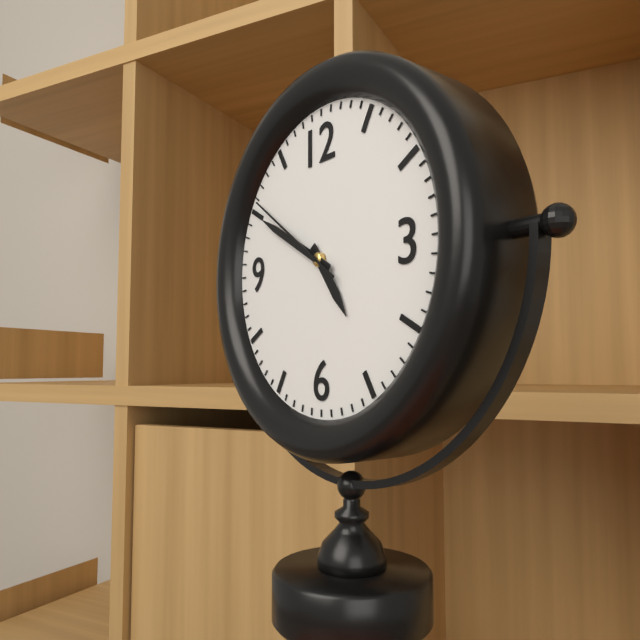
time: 4:50:51
